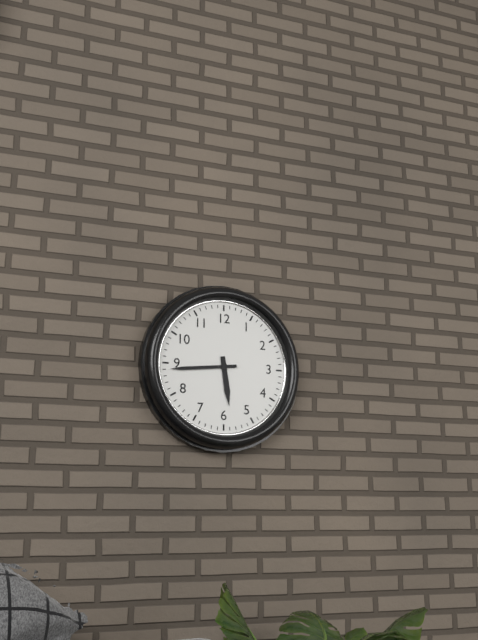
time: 5:44
